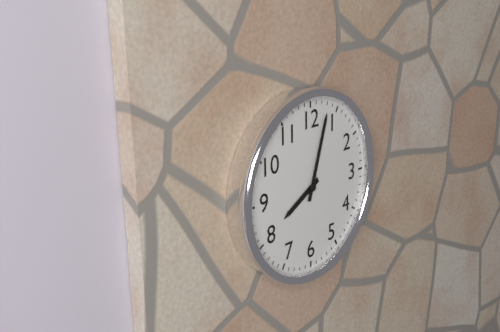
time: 8:03
